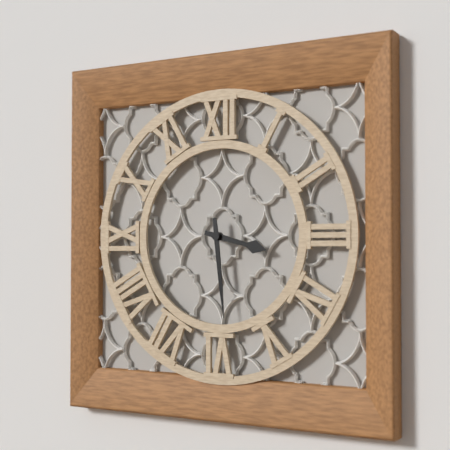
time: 3:29
